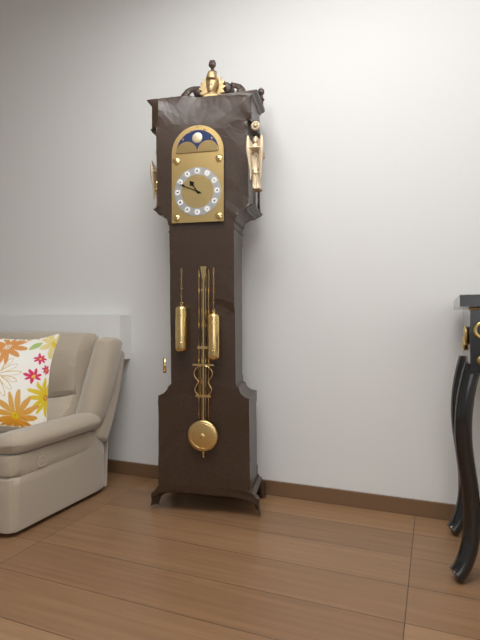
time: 10:49
